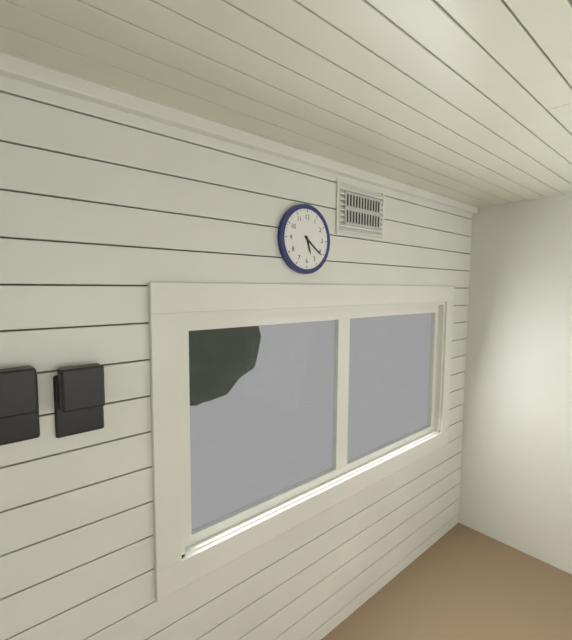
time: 5:21
